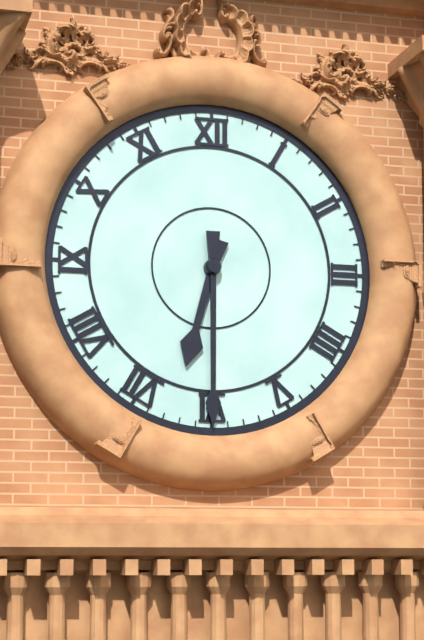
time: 6:30
